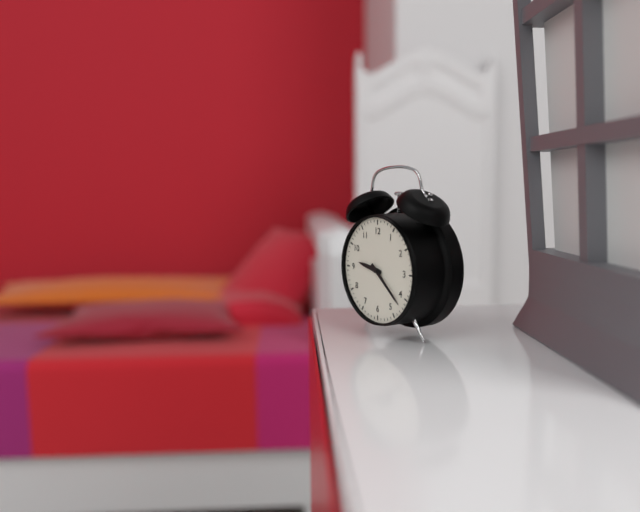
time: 9:22
